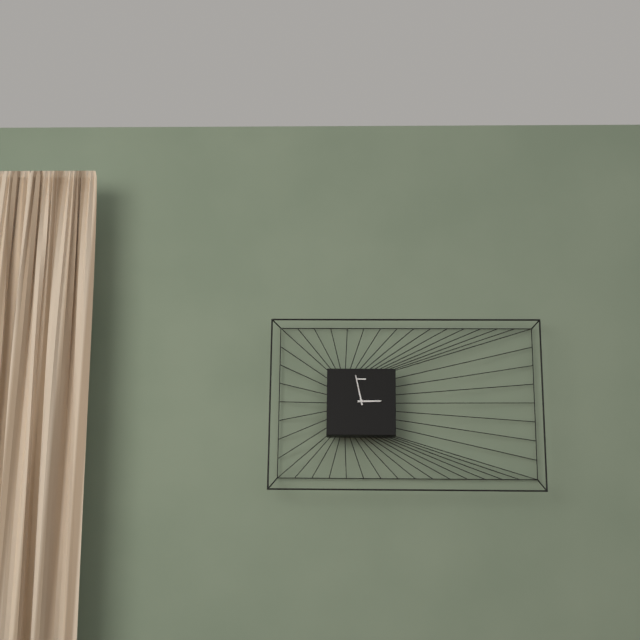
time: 2:58
